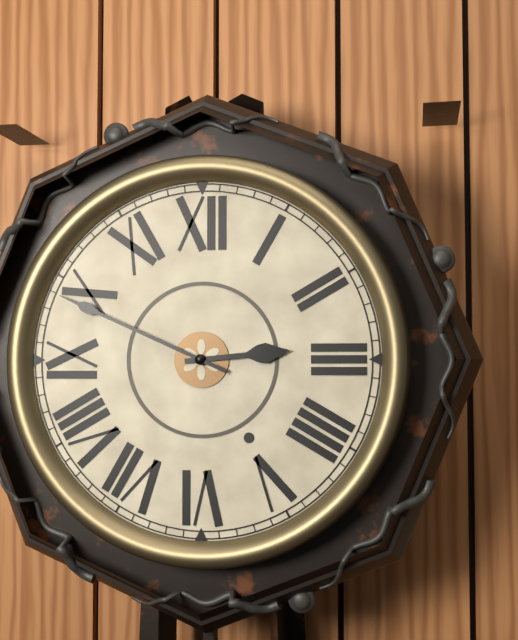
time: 2:49
